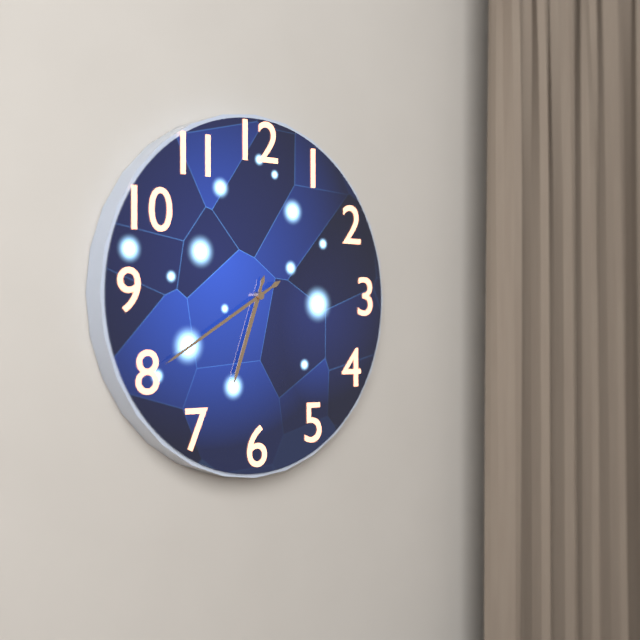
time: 6:40
